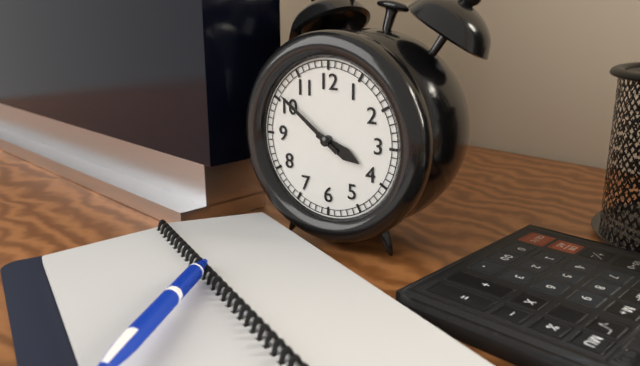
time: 3:51
